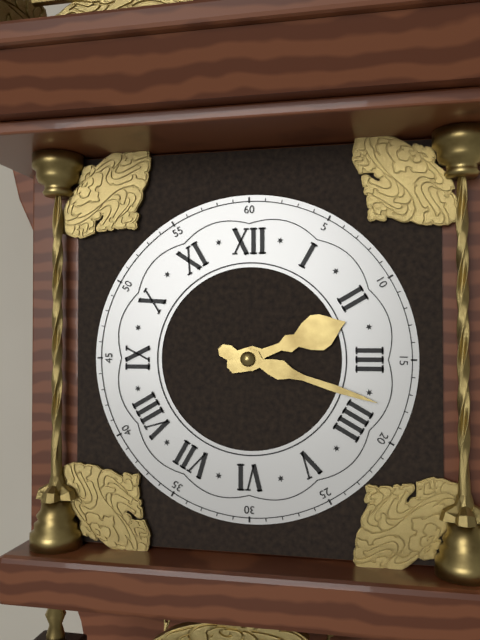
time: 2:18
